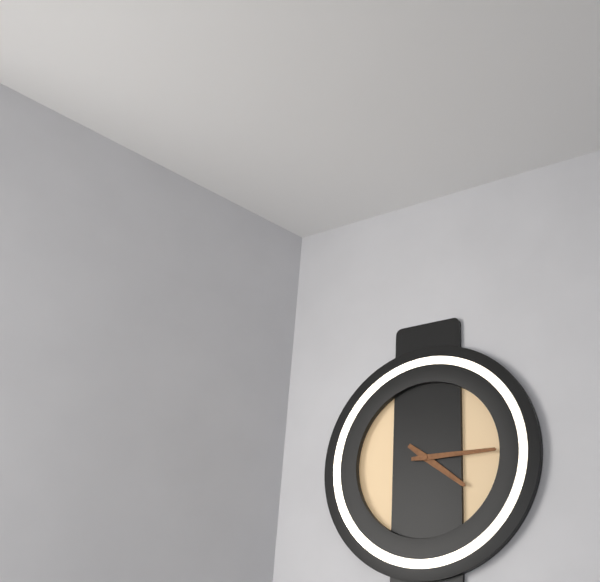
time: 4:15
